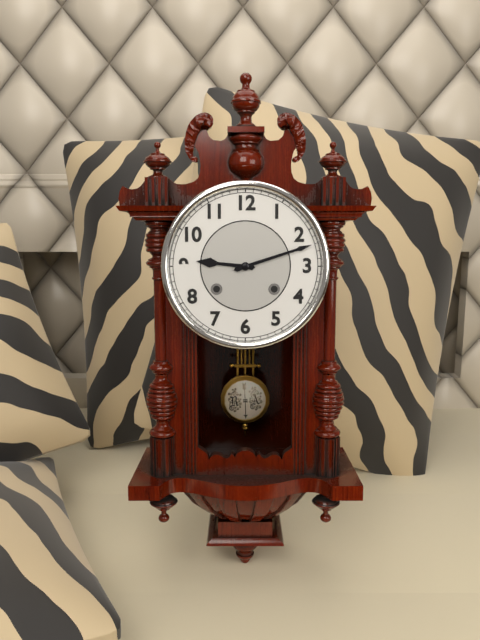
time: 9:12
